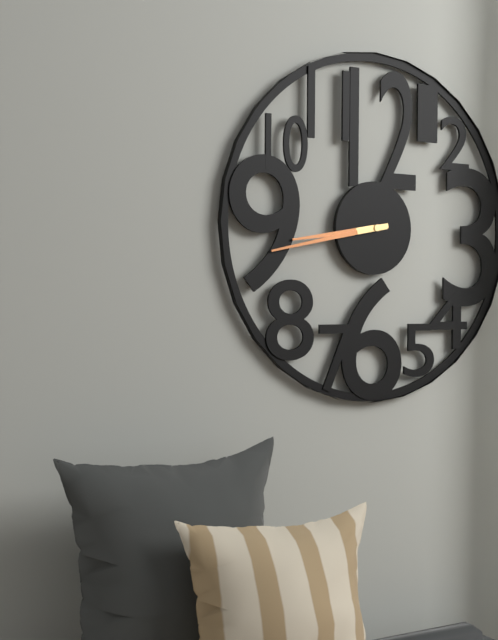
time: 8:43
